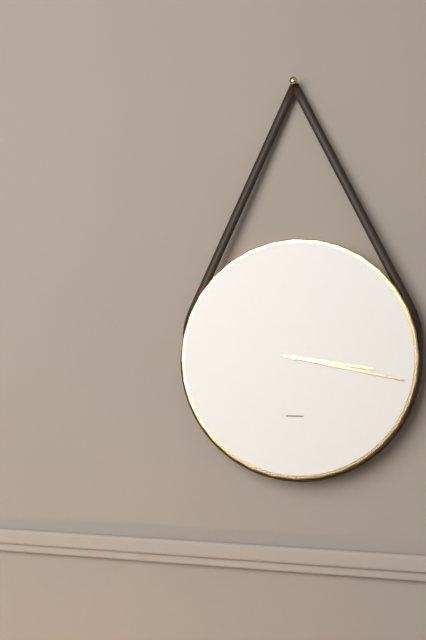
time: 3:17
